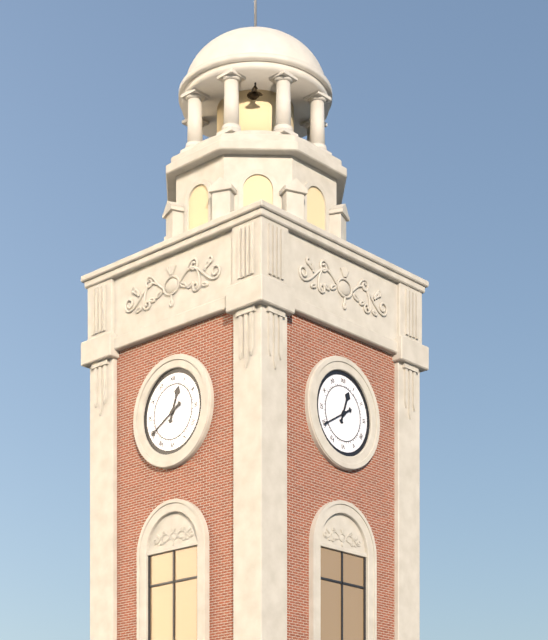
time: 12:40
